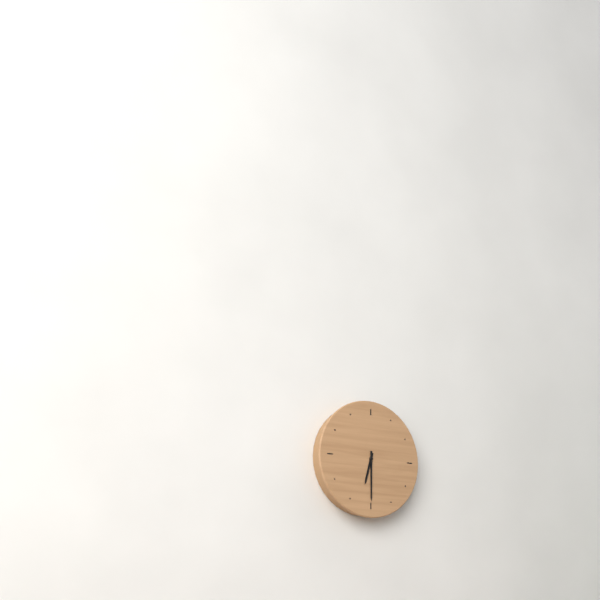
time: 6:30
